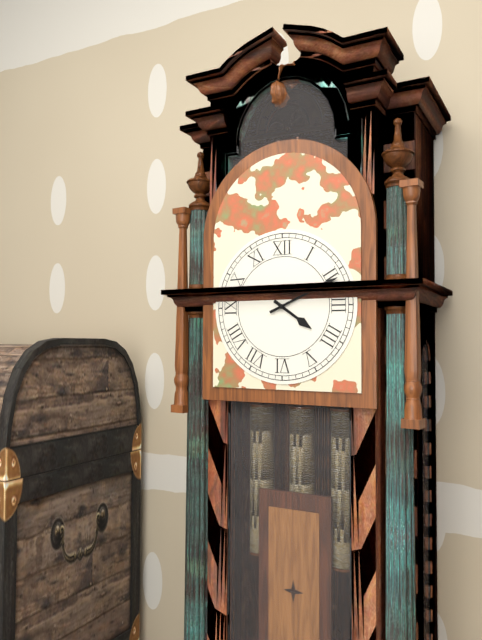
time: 4:11
